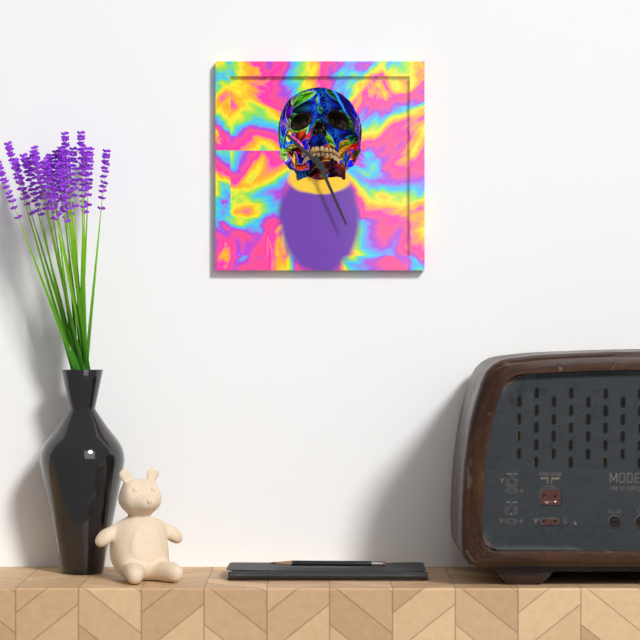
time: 10:26
